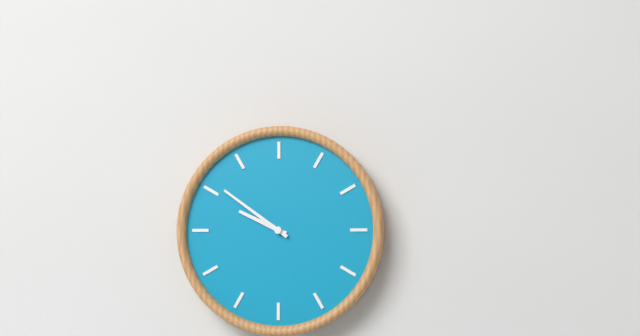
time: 9:51
